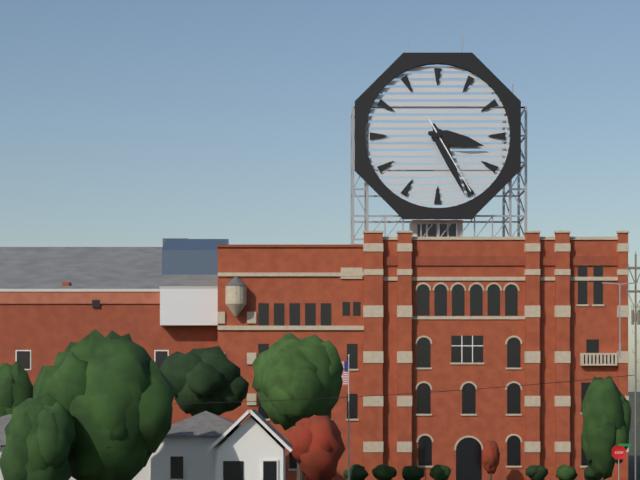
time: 3:26:25
